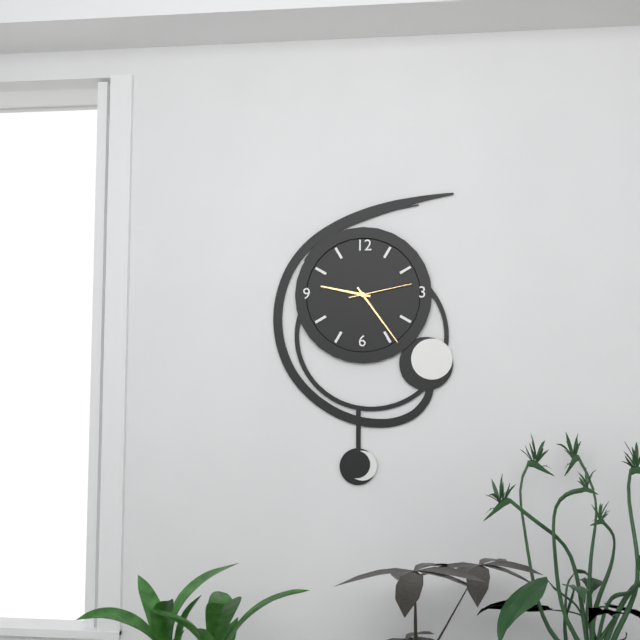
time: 9:24:13
